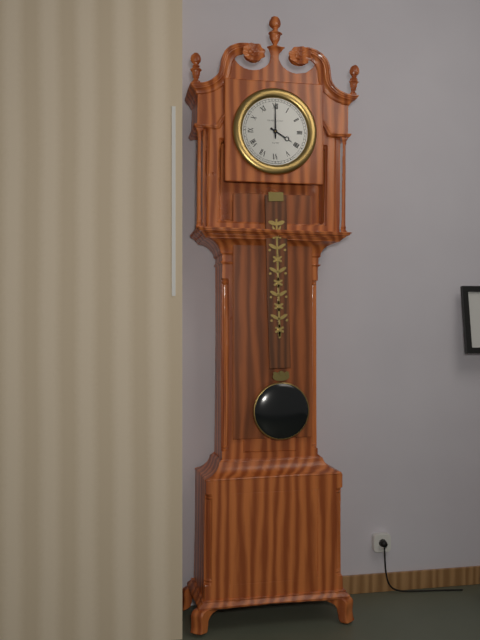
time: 4:00
